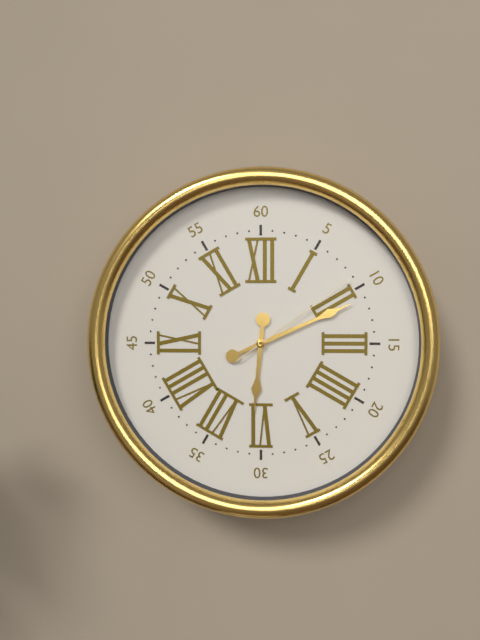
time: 6:11:09
